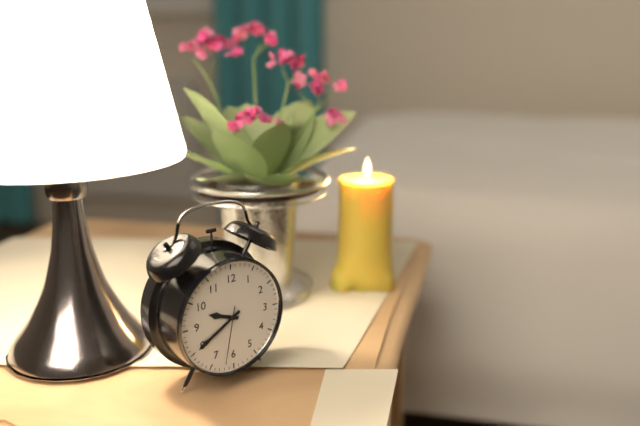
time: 9:40:32
